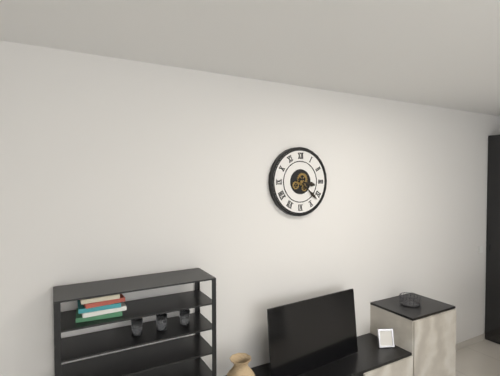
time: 3:22
